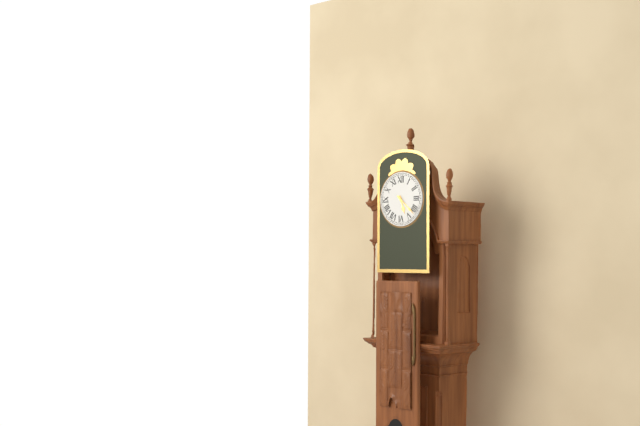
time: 5:22
